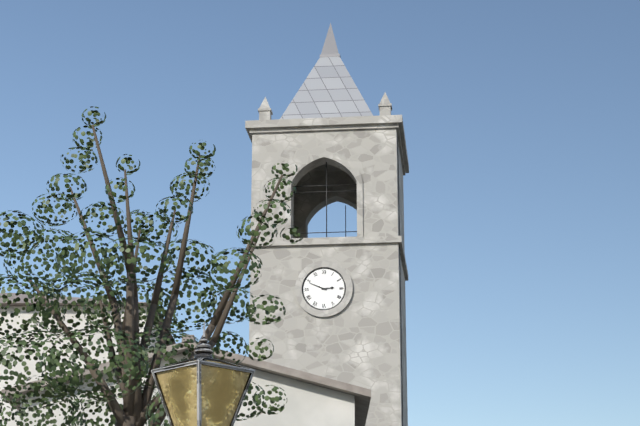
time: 2:49
